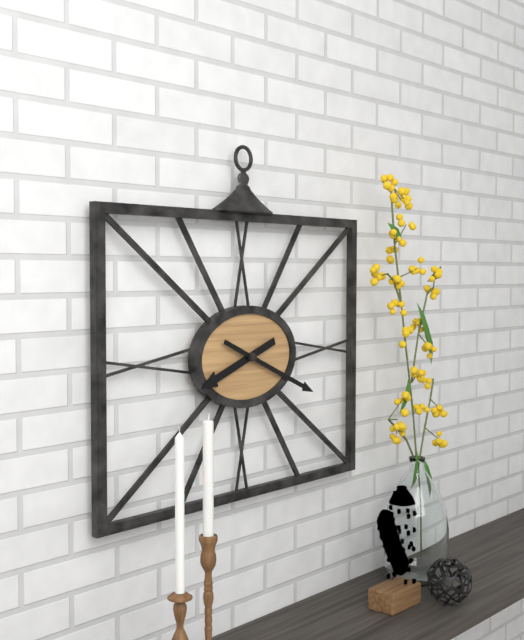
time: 8:19
